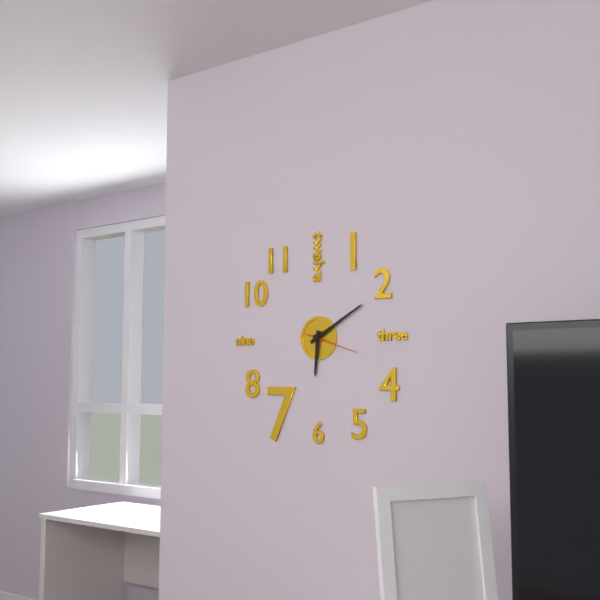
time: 6:10:18
